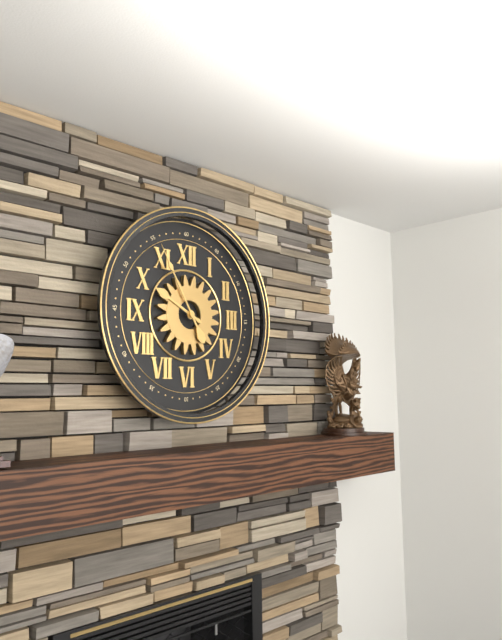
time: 9:55
